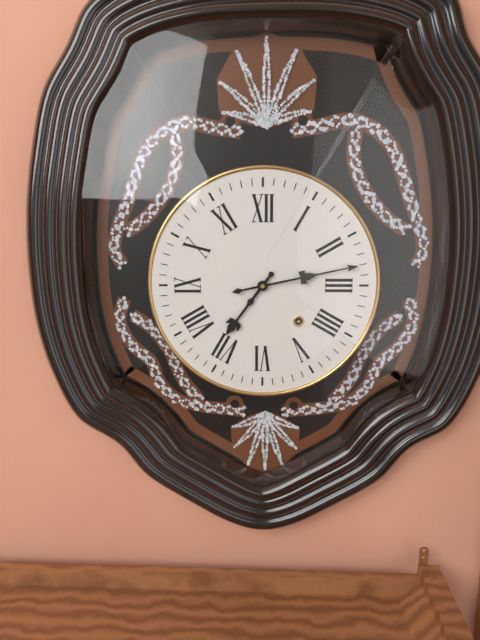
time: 7:13
